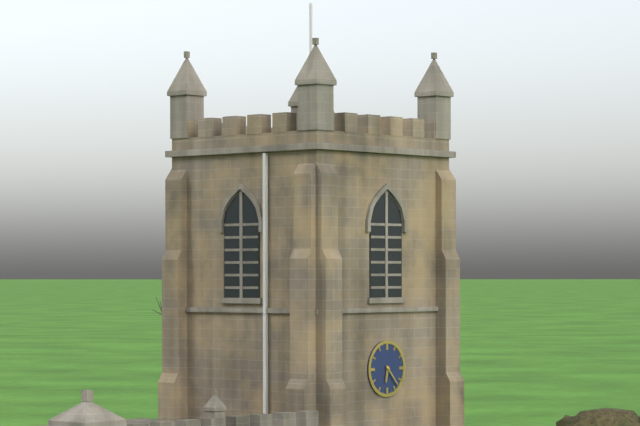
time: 6:23
